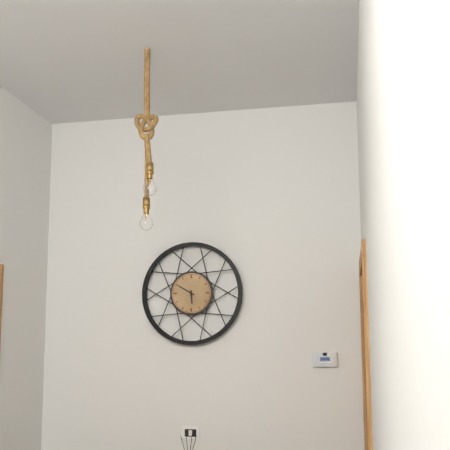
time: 5:50
